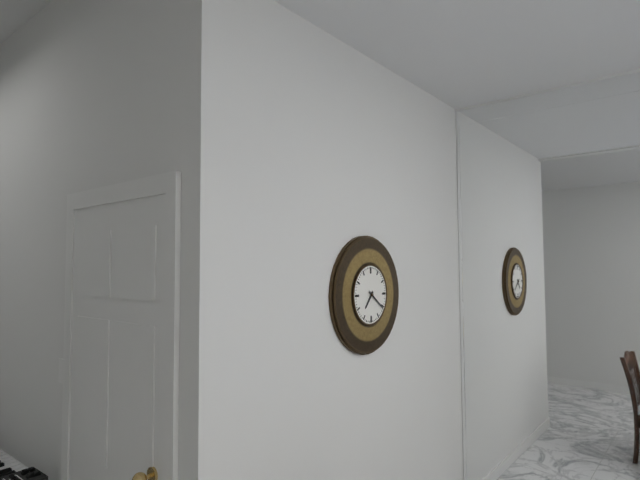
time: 7:21
